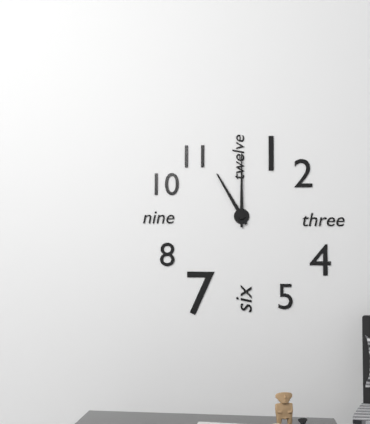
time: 11:00
